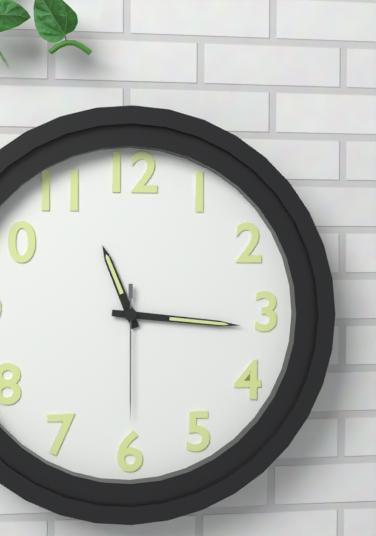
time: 11:16:30
